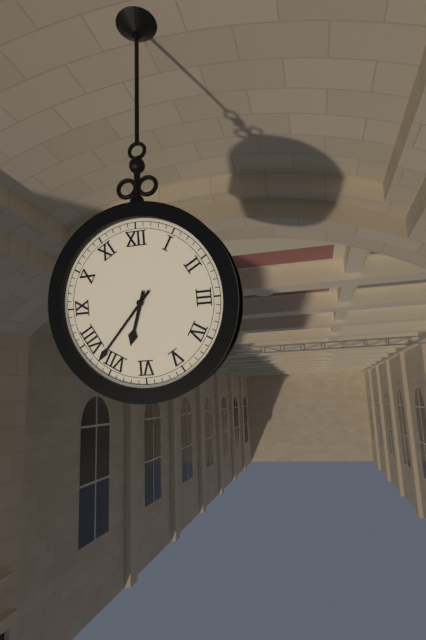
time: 6:37
